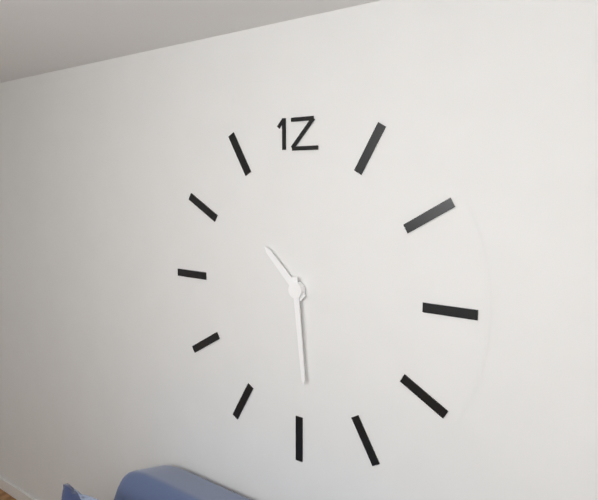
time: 10:29
